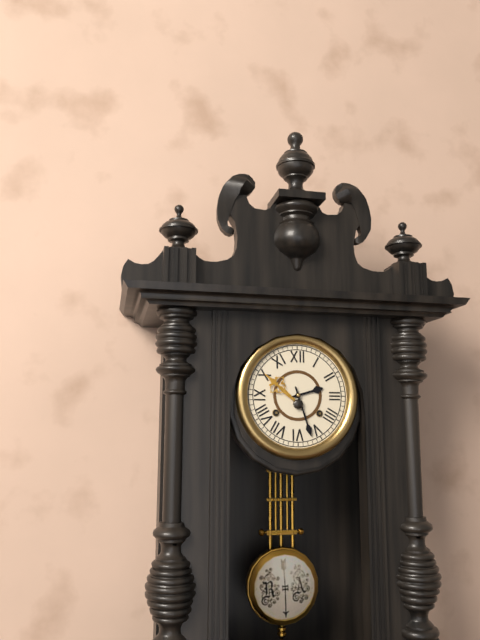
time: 2:27
